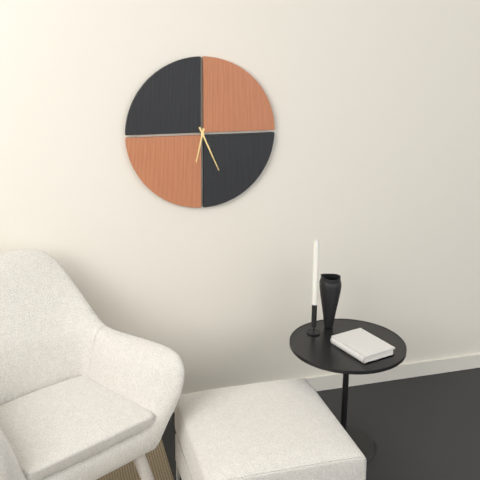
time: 6:26
